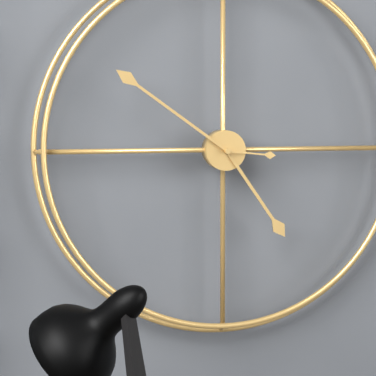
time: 4:51:16
